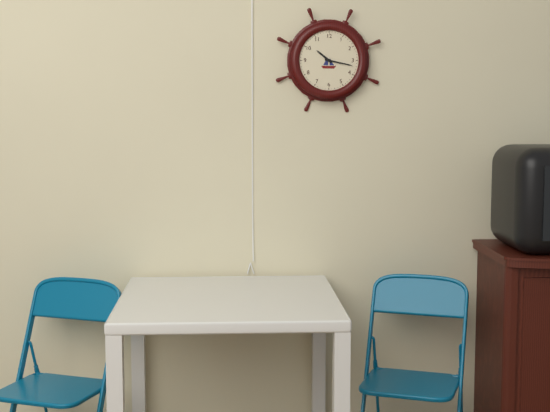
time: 10:17
